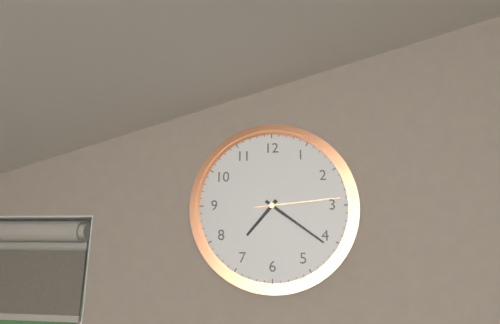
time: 7:21:14
